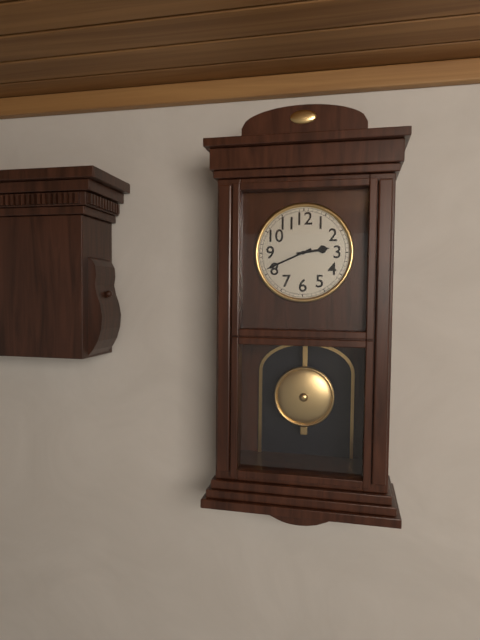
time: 2:41
